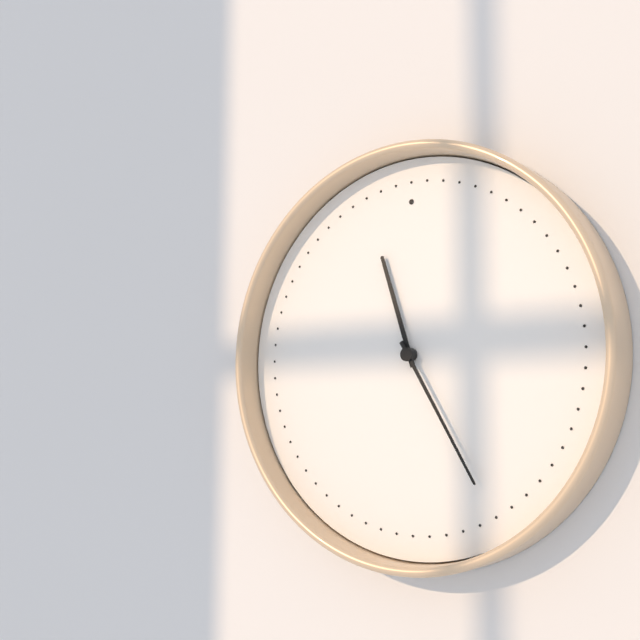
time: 11:25
